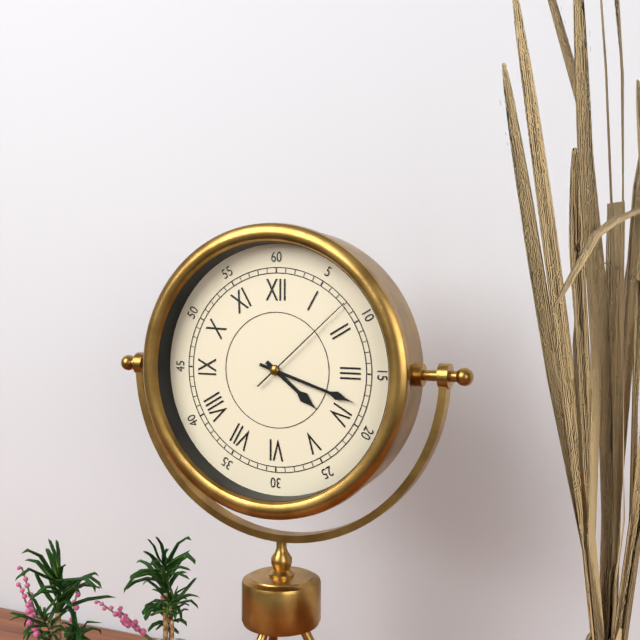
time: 4:18:08
